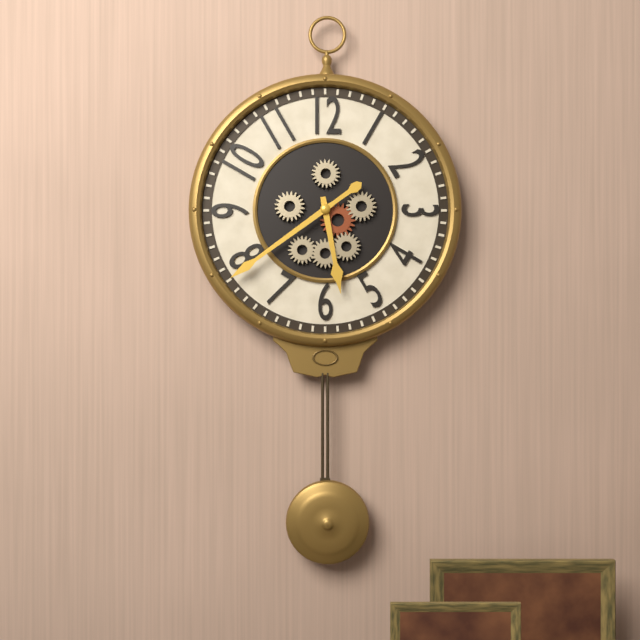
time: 5:39
